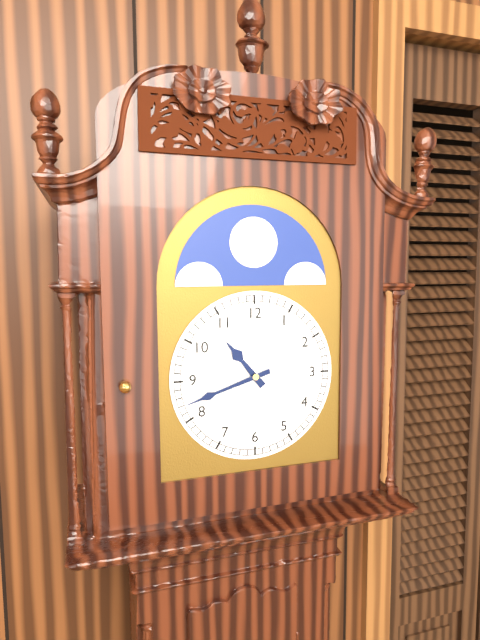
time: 10:42
